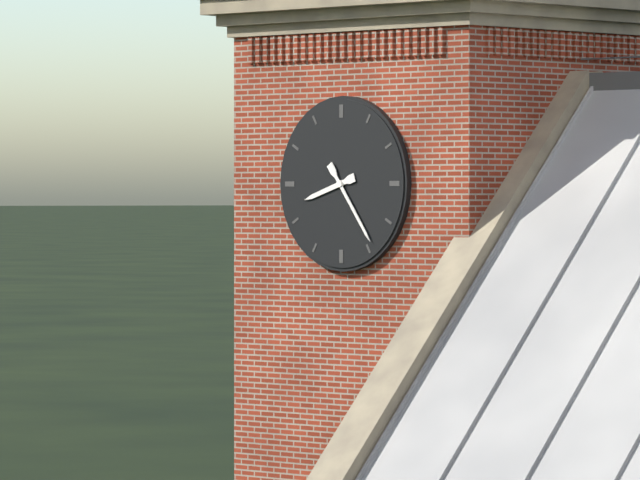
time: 8:24
